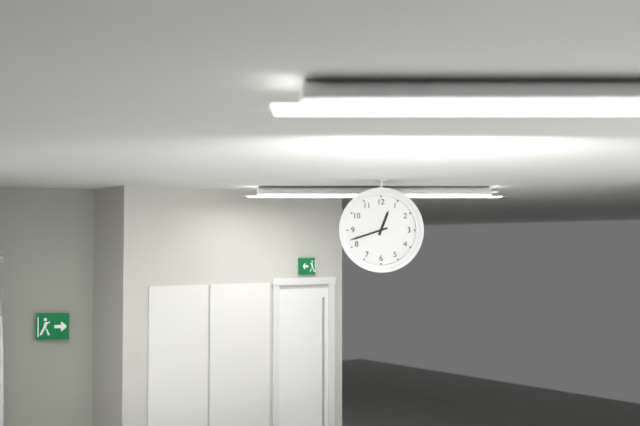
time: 12:42
